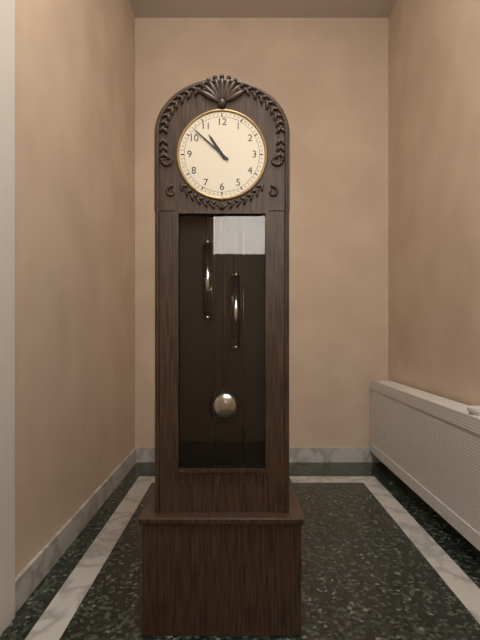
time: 10:52
